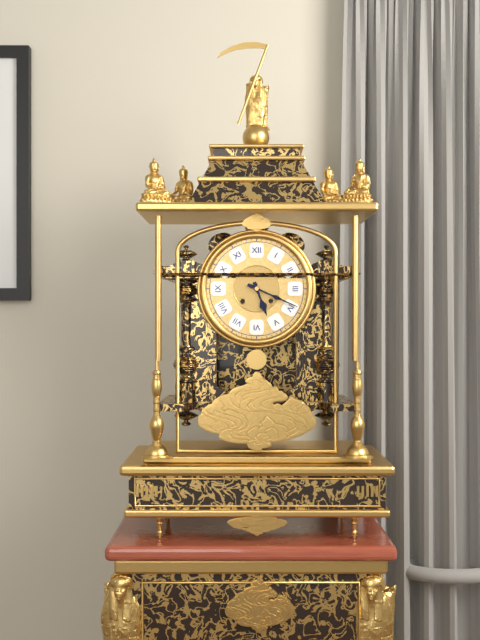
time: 5:19
